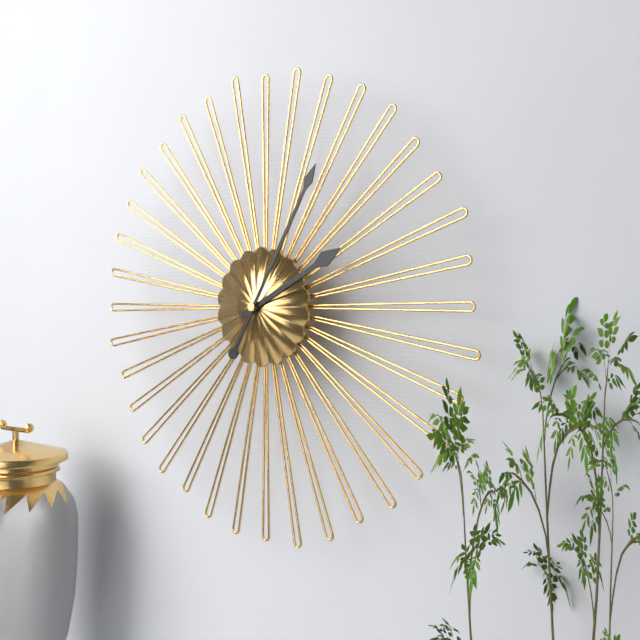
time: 2:05
